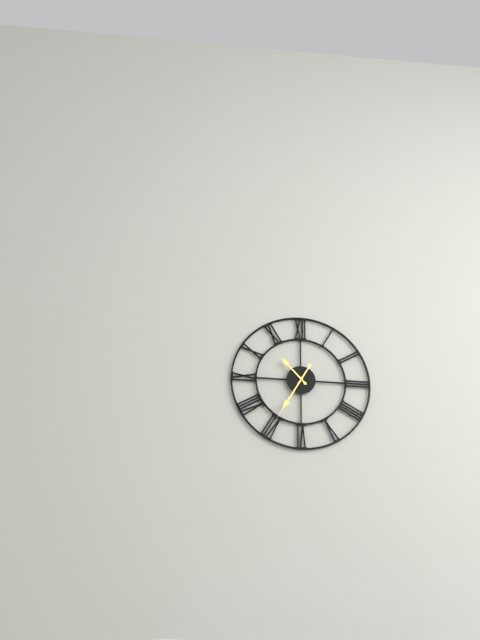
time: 10:35
